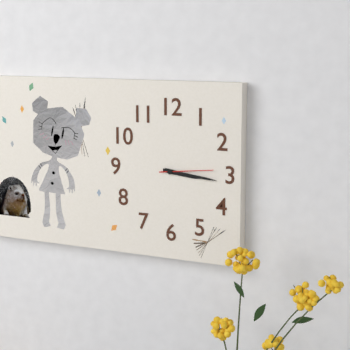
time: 3:16:14
